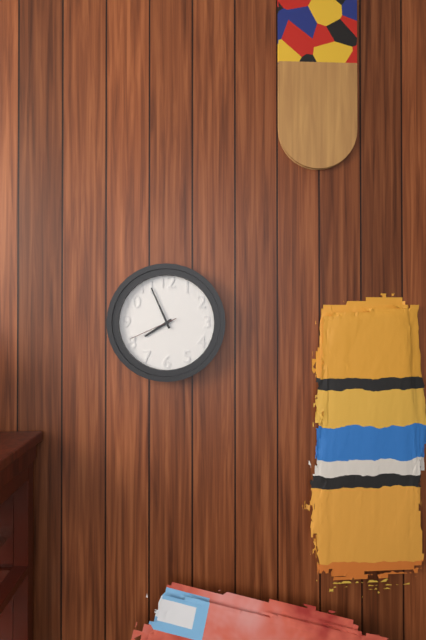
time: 7:56
